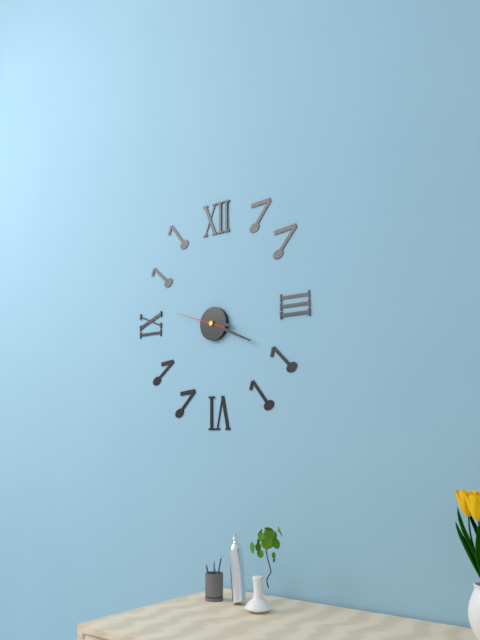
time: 3:19
